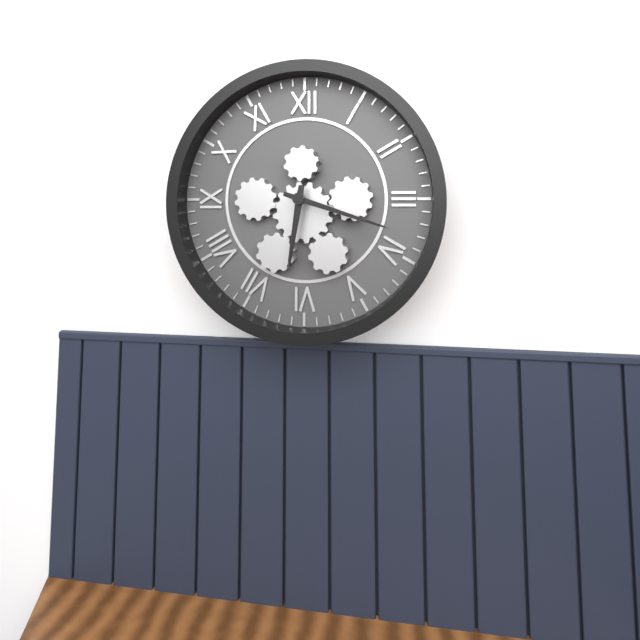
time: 6:18
